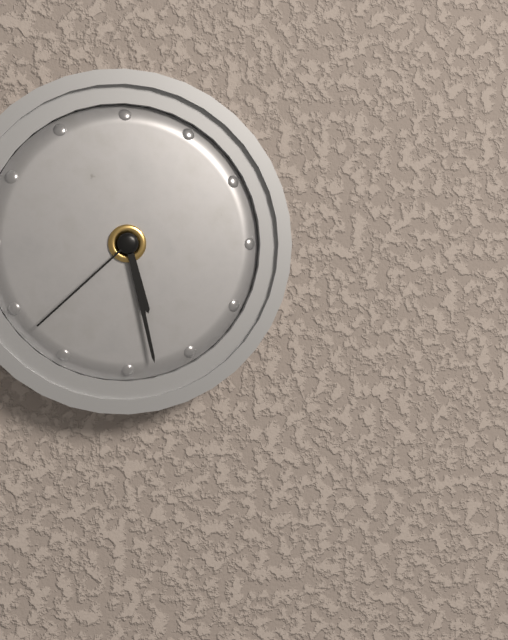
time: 5:28:38
